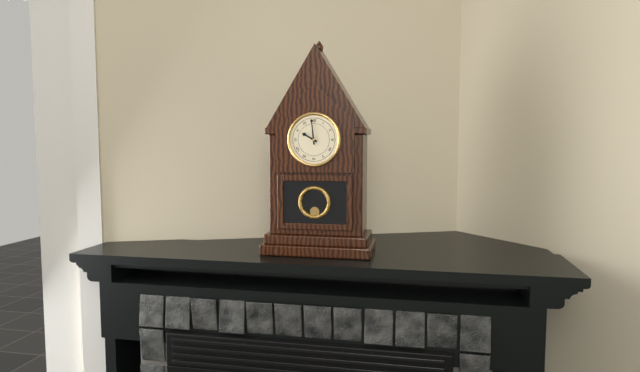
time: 9:59
